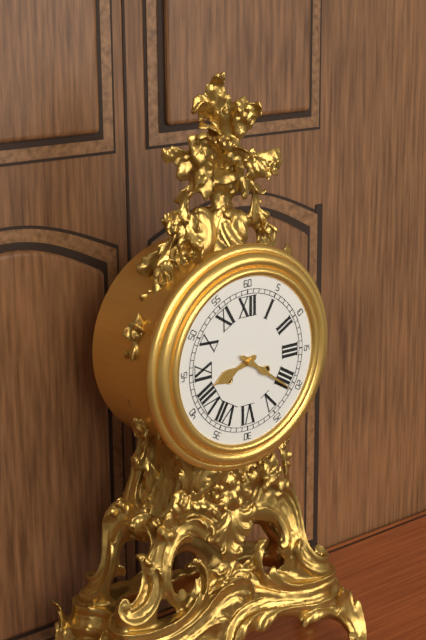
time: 8:21
